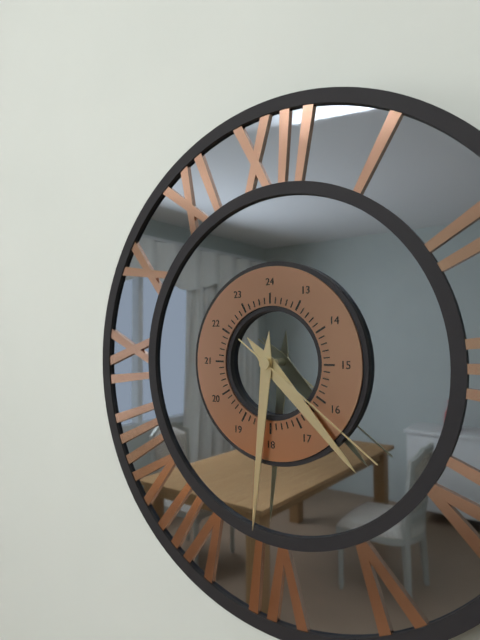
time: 4:31:21
